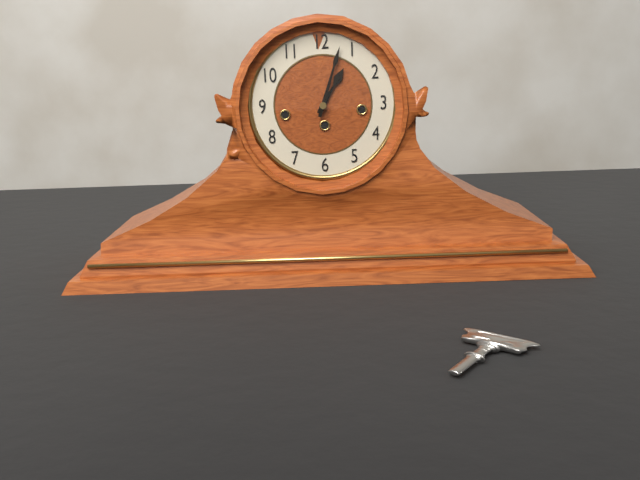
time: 1:03
